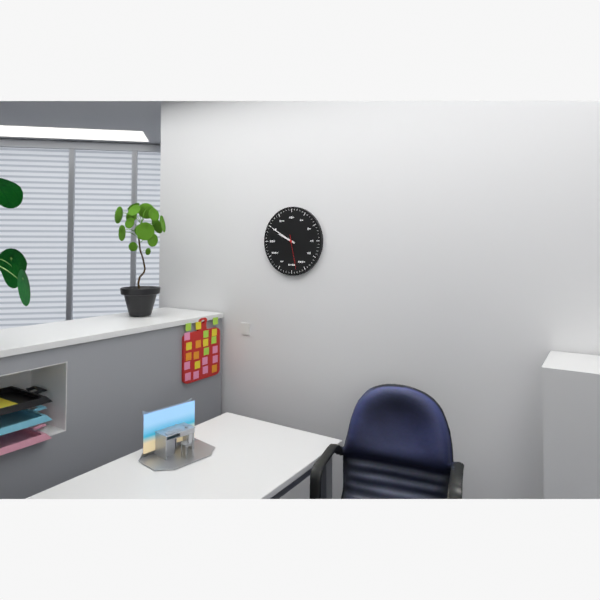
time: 9:50
